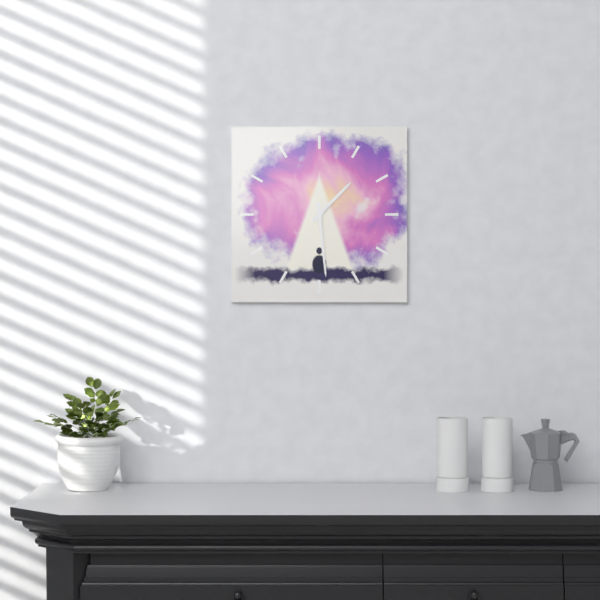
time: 1:29
